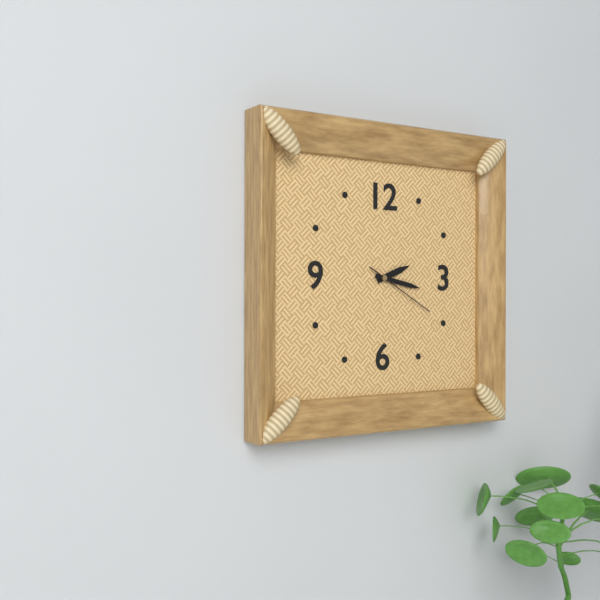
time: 2:17:20
